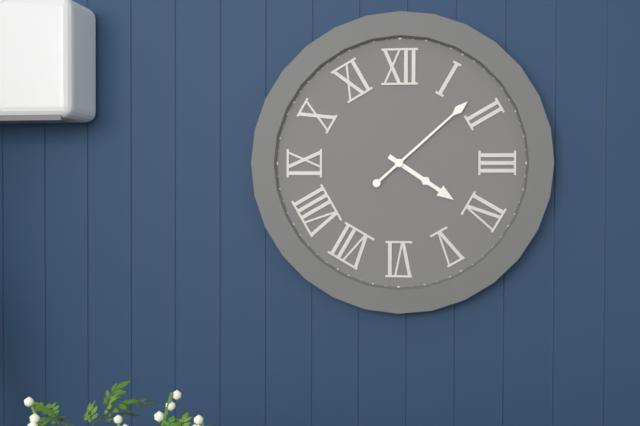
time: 4:08
